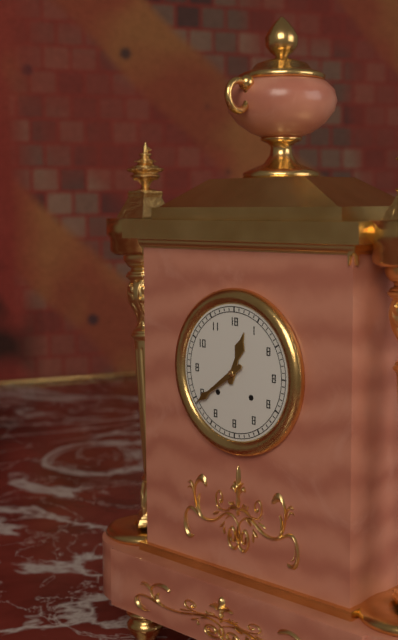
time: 12:39
